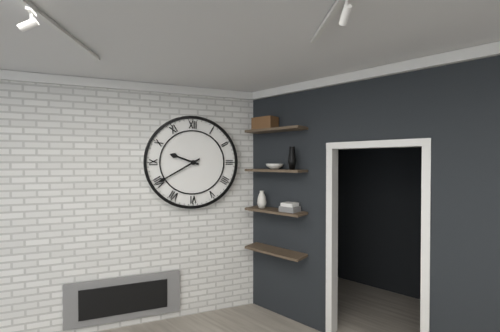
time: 9:40
